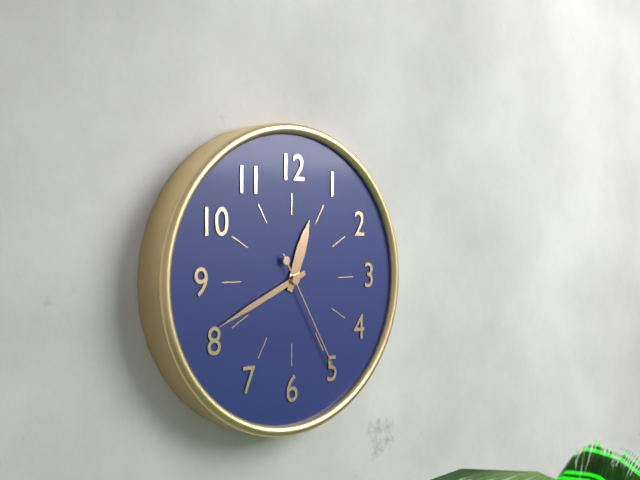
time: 12:41:25
